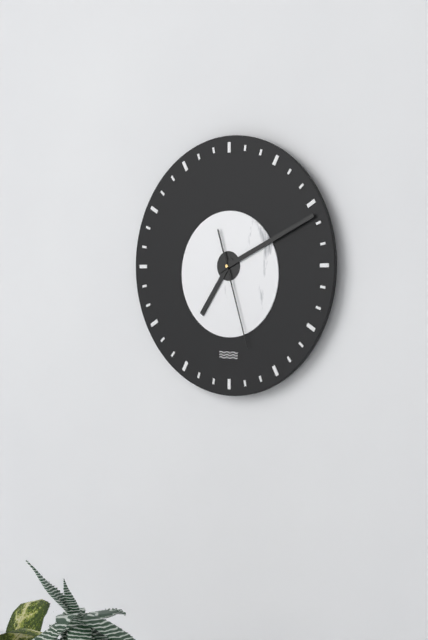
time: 7:11:27
